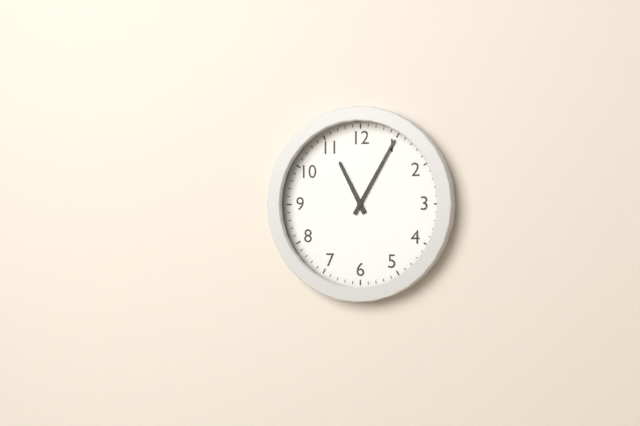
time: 11:05
